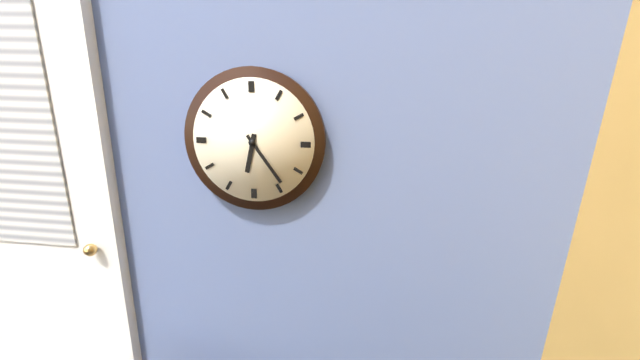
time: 6:24
